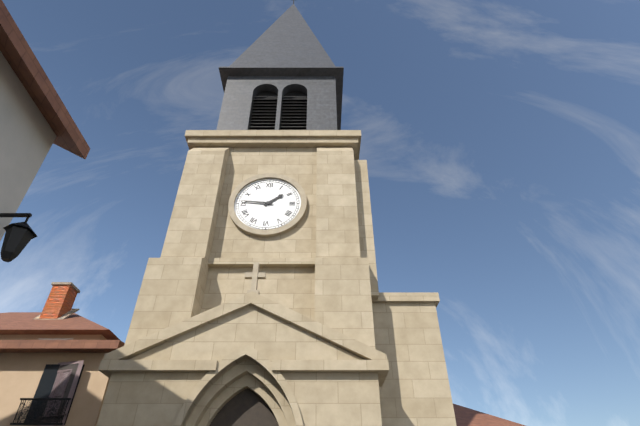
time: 1:46
